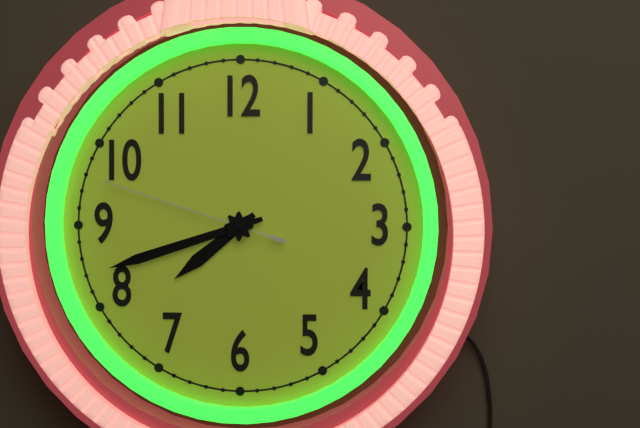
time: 7:42:48
